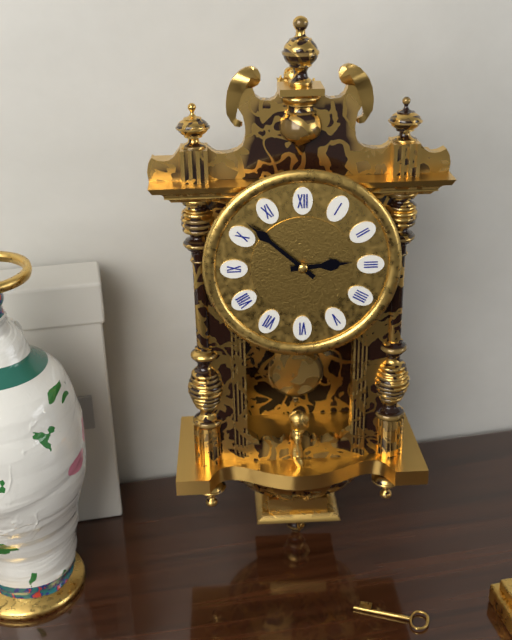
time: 2:52
